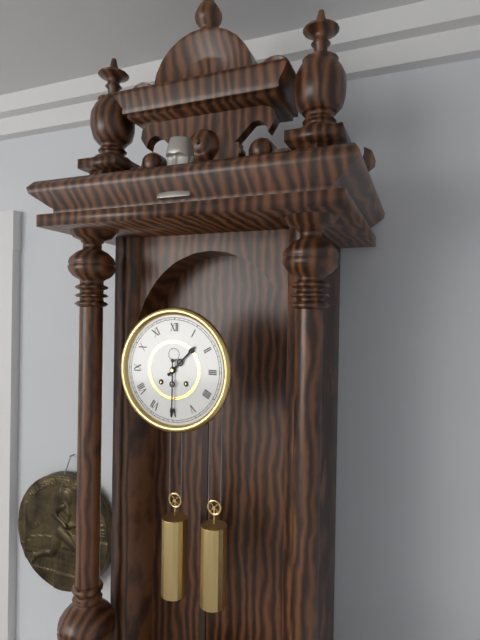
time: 1:30
